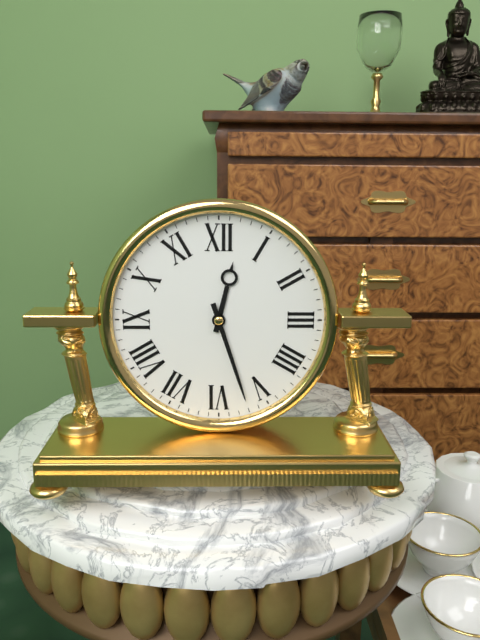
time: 12:27
